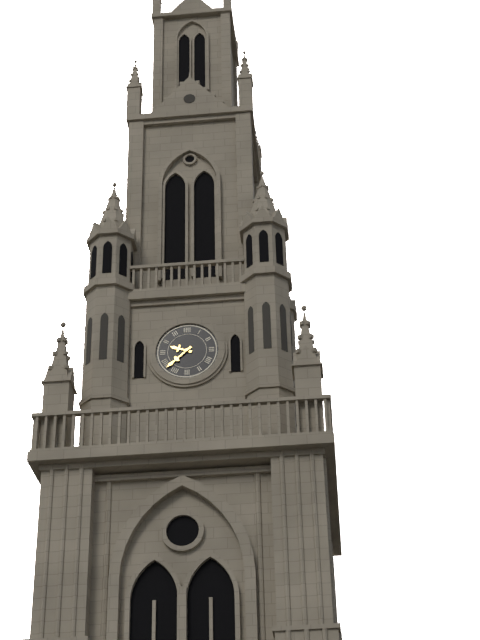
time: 9:38
